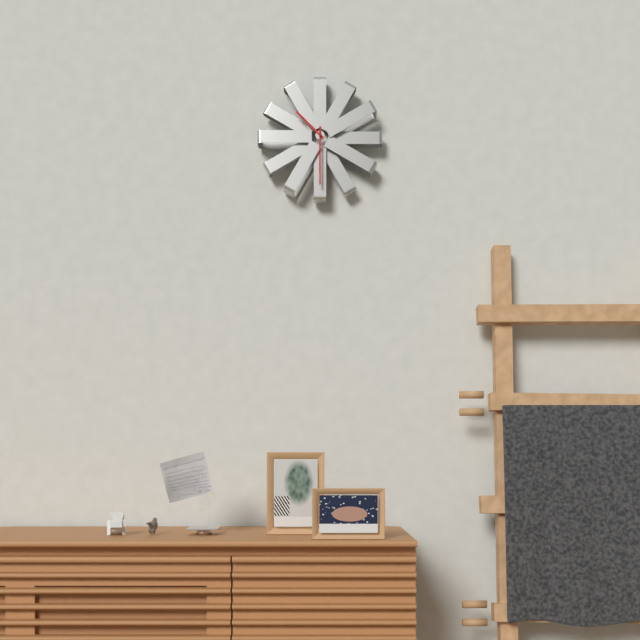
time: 10:30
